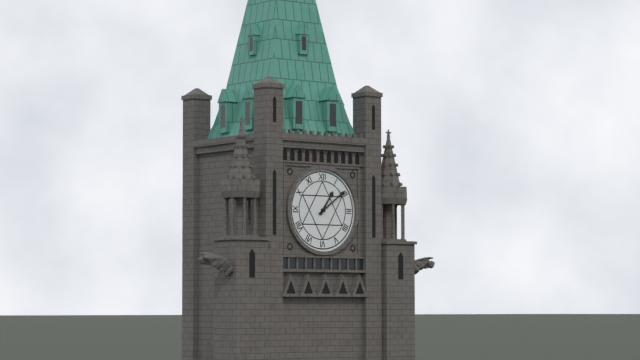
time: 1:09
